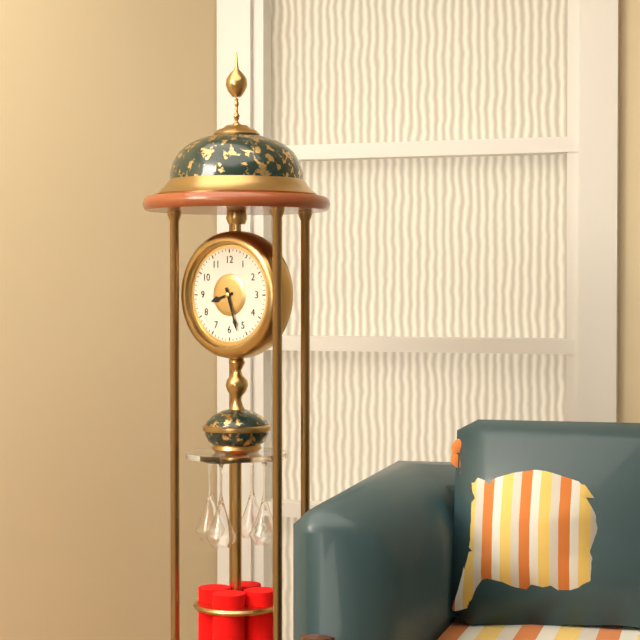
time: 8:27
